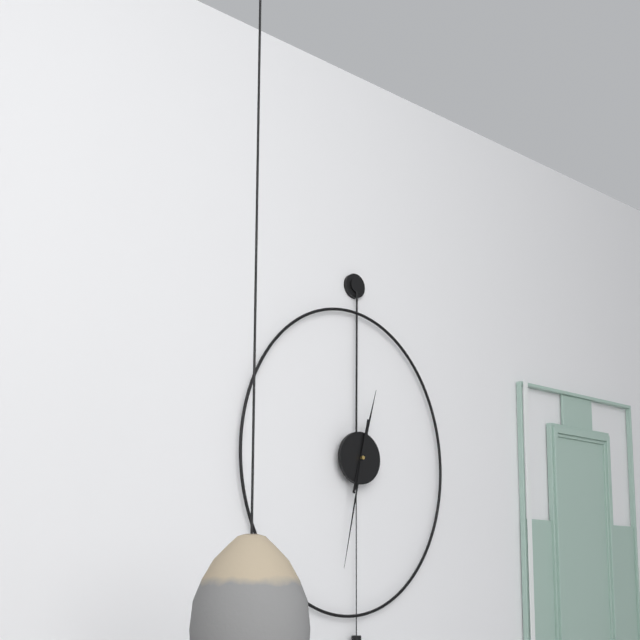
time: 12:32
